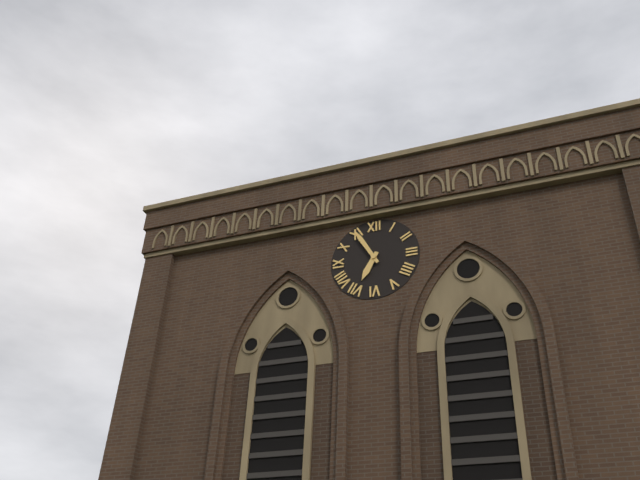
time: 6:55
